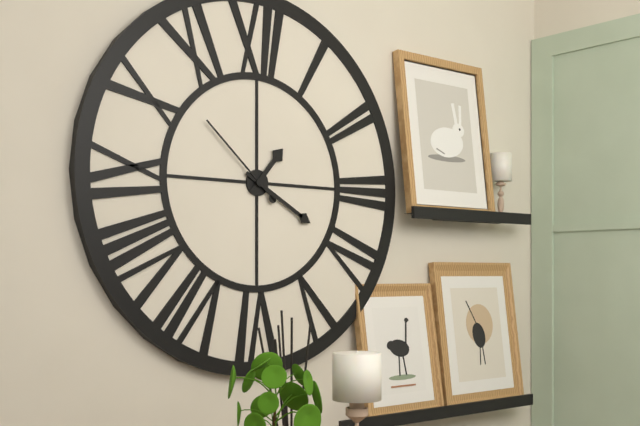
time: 1:20:52
